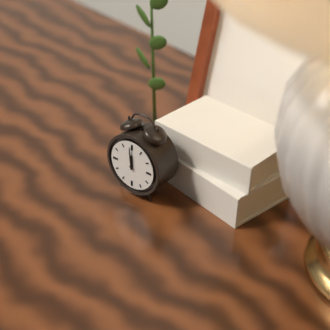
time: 11:59
